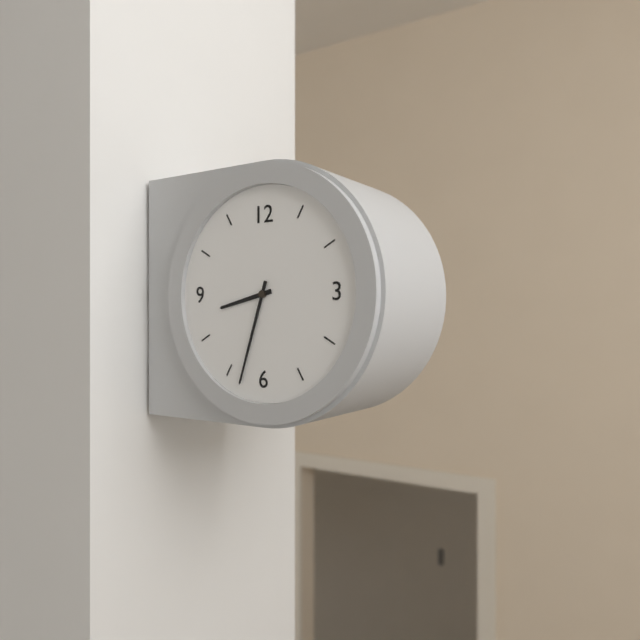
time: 8:33
